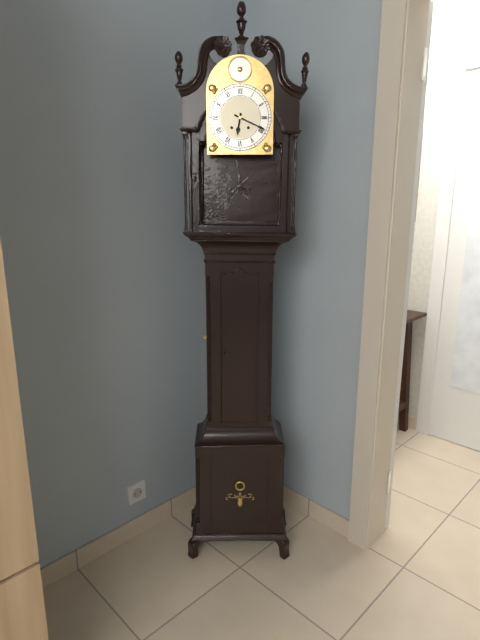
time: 6:19
